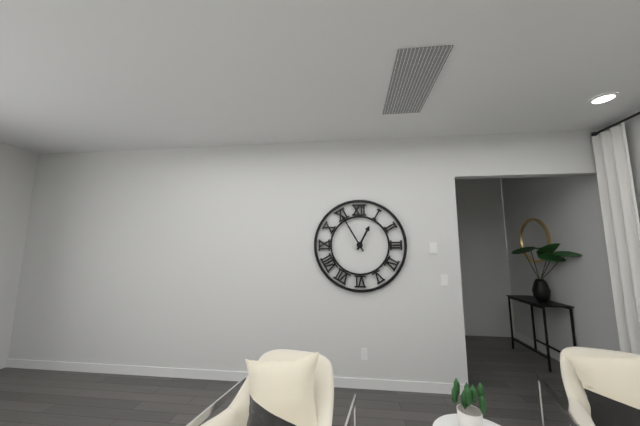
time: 12:55
